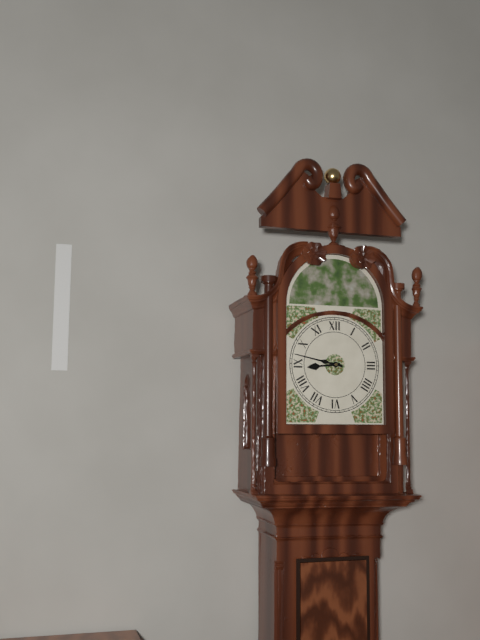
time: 8:47
